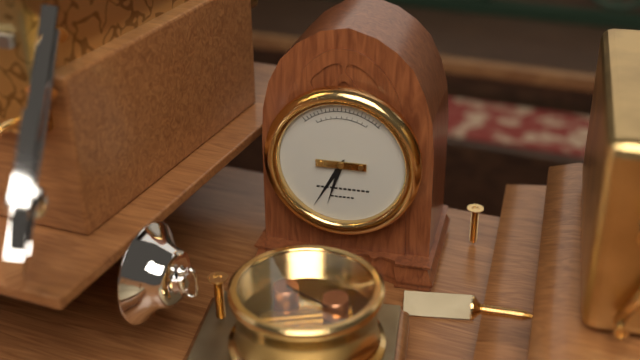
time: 6:35
